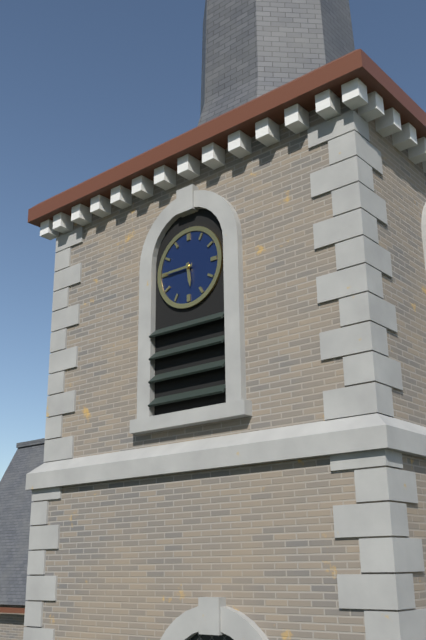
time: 5:45
